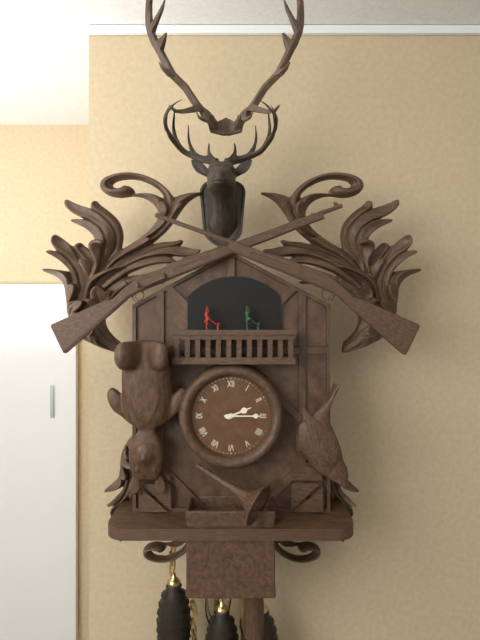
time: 2:15
